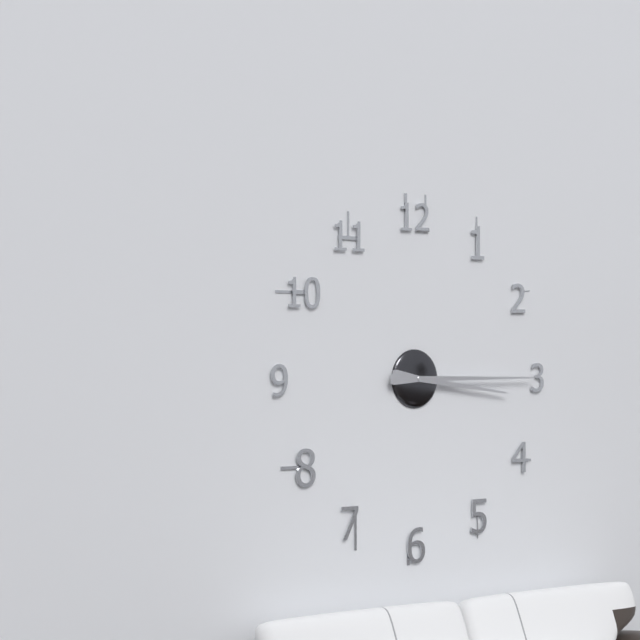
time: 3:15
